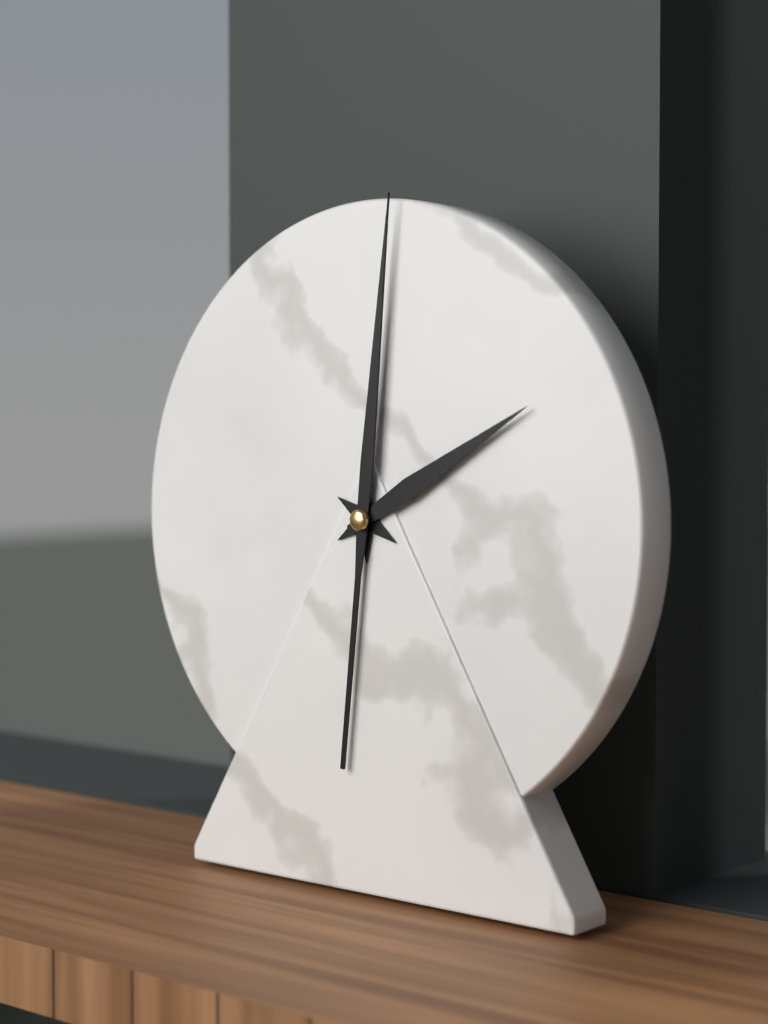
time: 2:01
